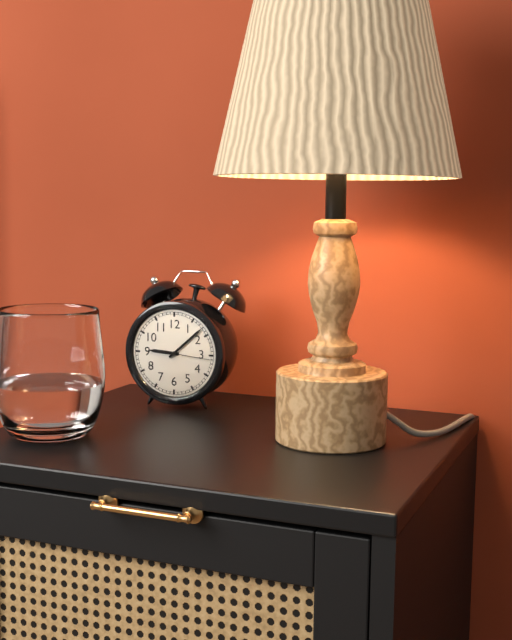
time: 9:08
